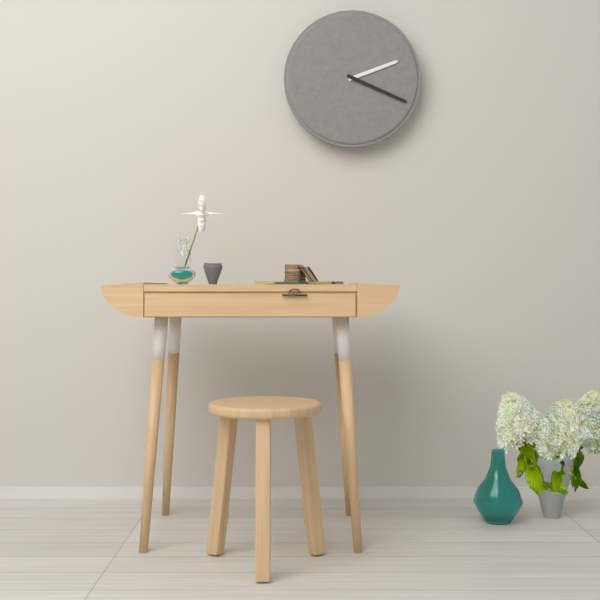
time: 2:19
